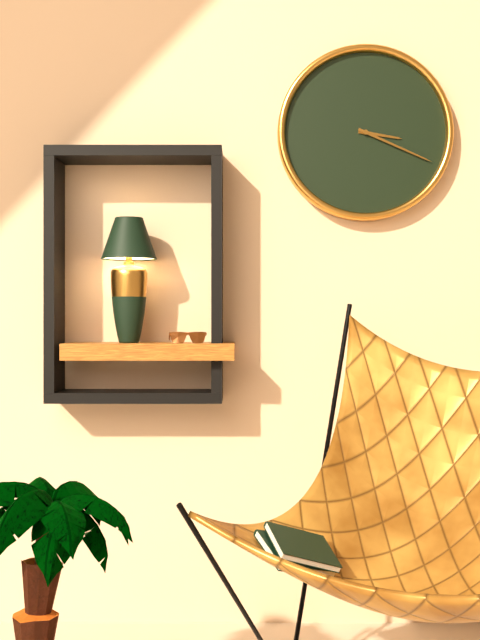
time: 3:19
